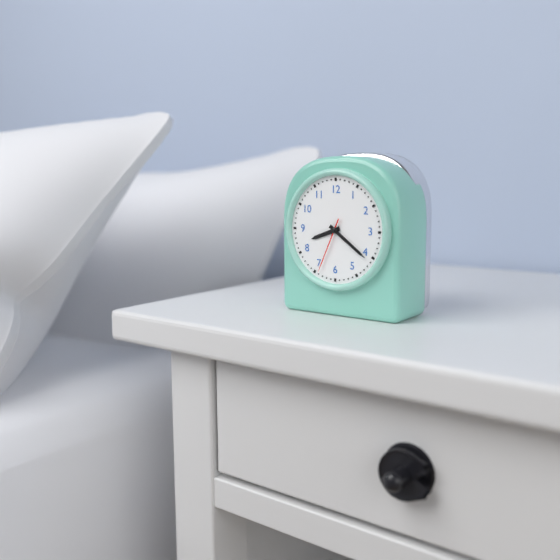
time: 8:21:34
